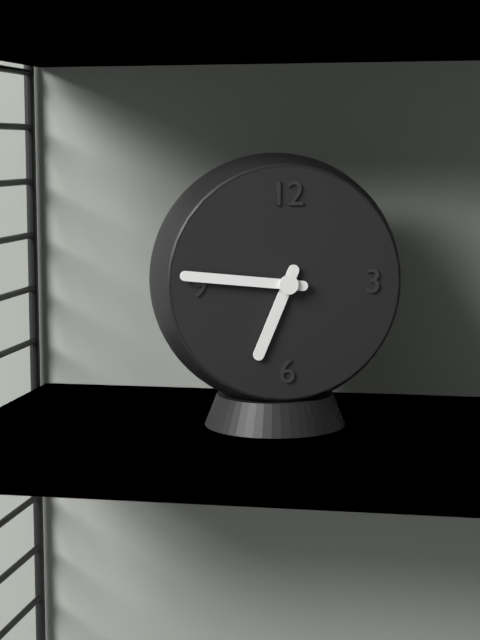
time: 6:46
